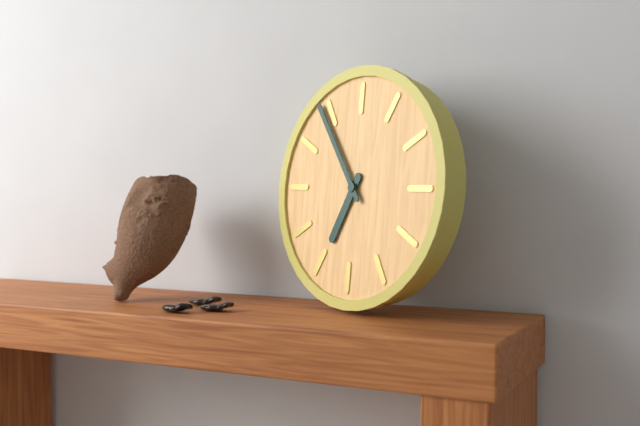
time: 6:54
